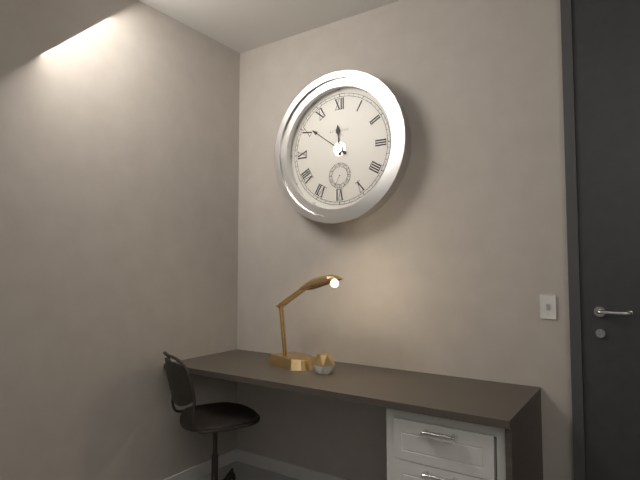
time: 11:51
